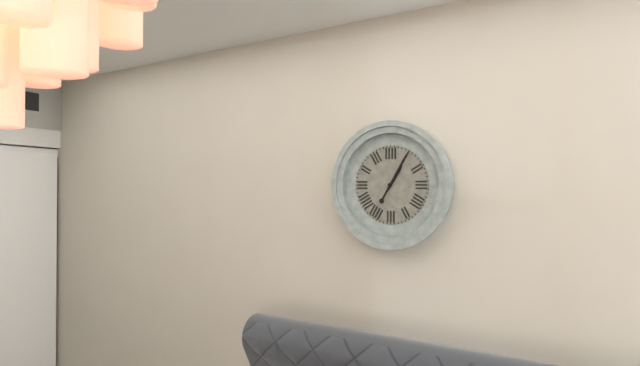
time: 1:05
